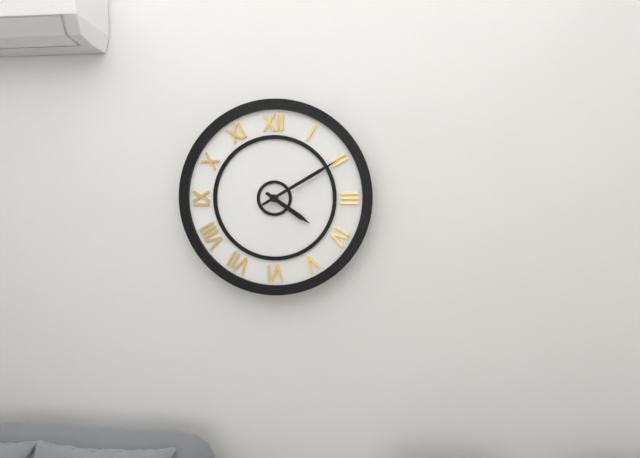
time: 4:10
